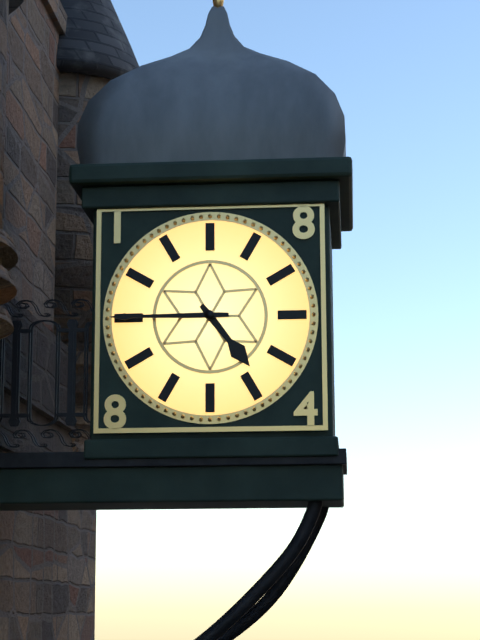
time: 4:45
